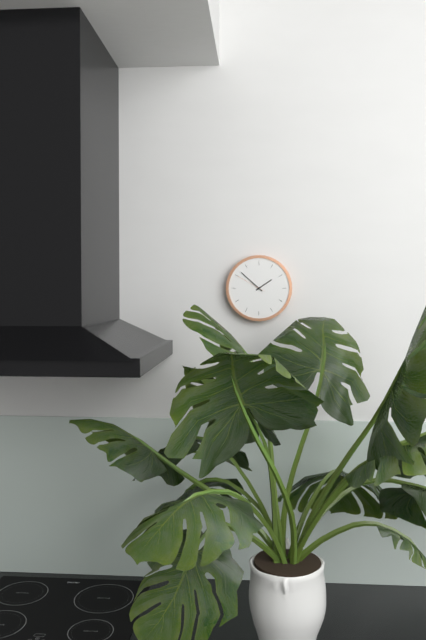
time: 1:52
